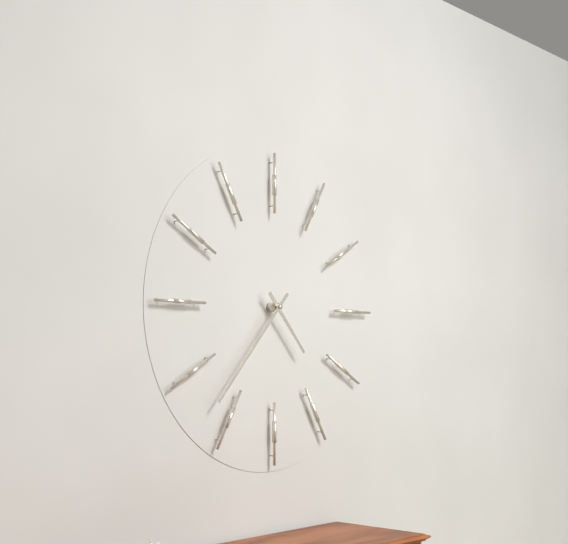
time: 4:37
